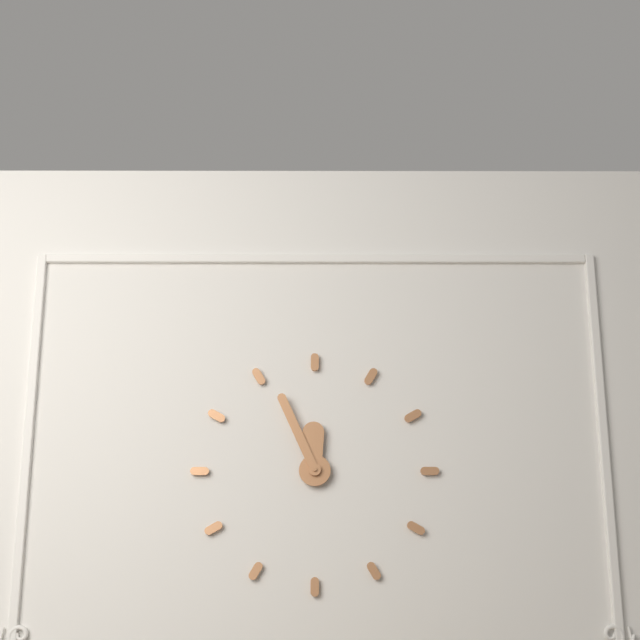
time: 11:56
